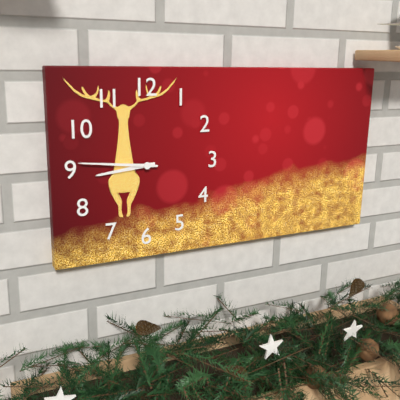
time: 8:46
